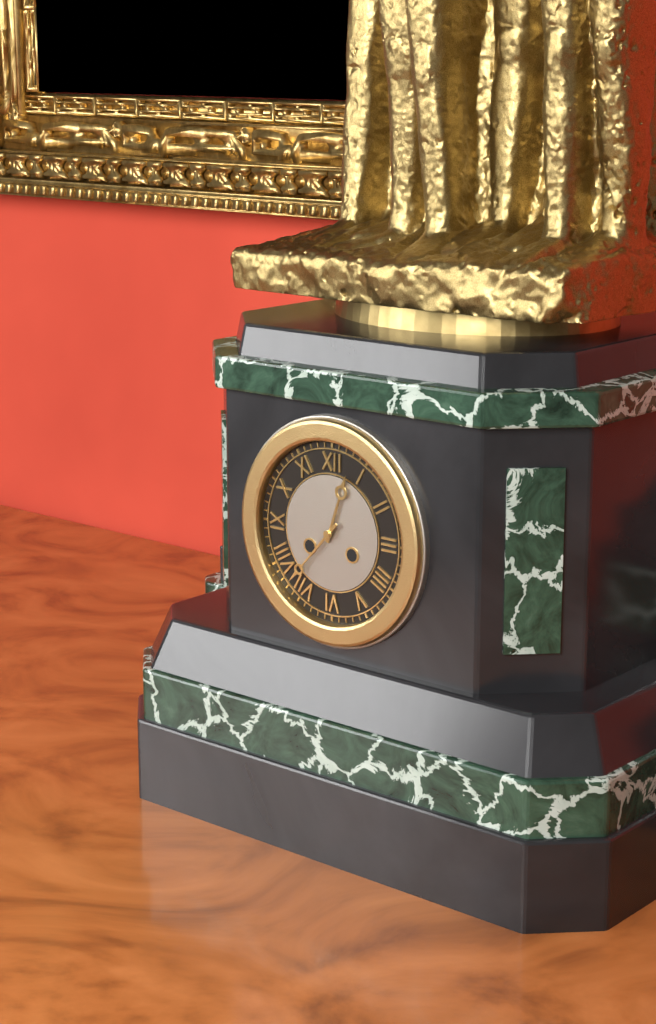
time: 12:37
